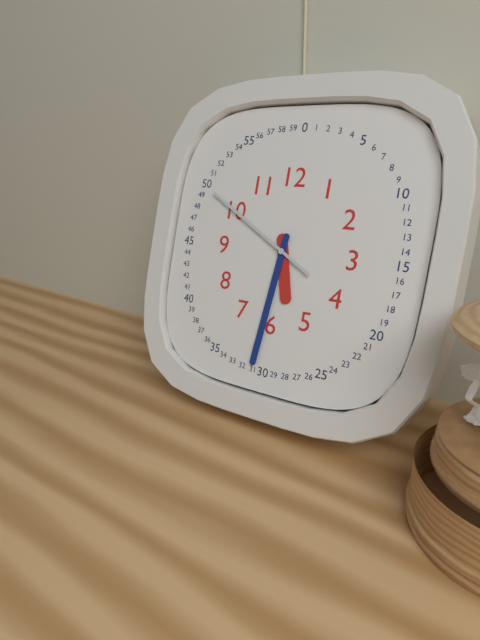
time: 5:31:50
